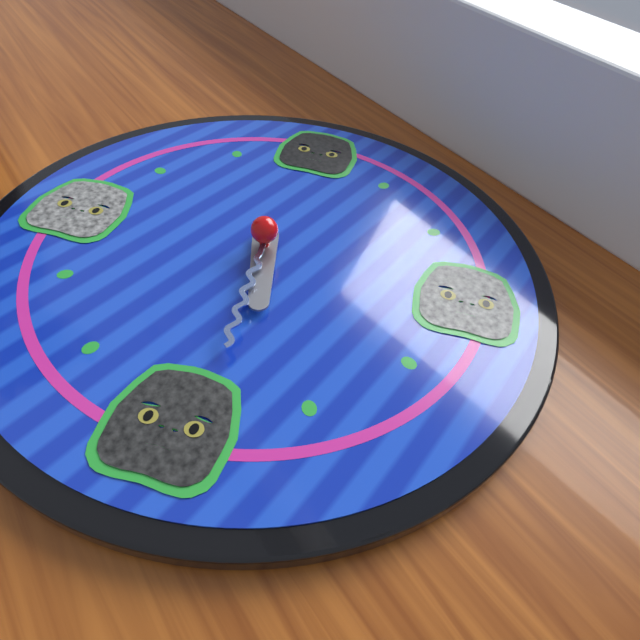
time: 5:29
